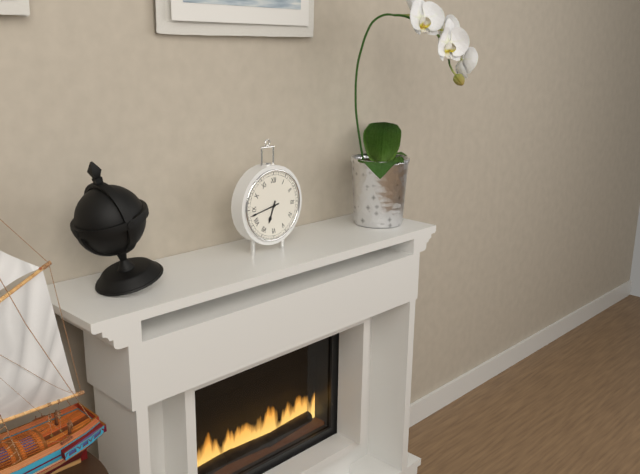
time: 6:43
